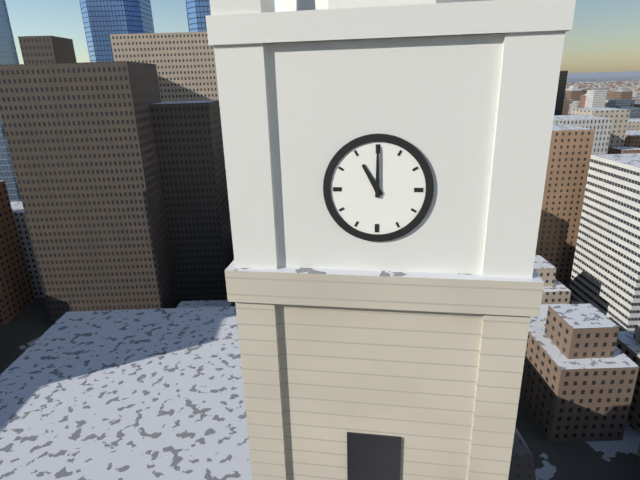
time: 11:00
